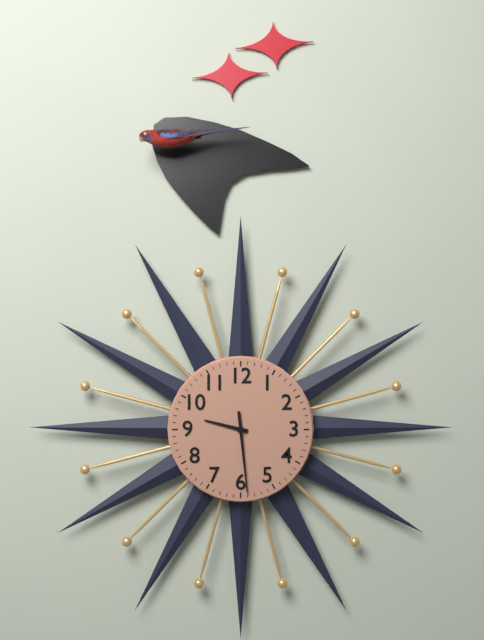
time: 9:29
